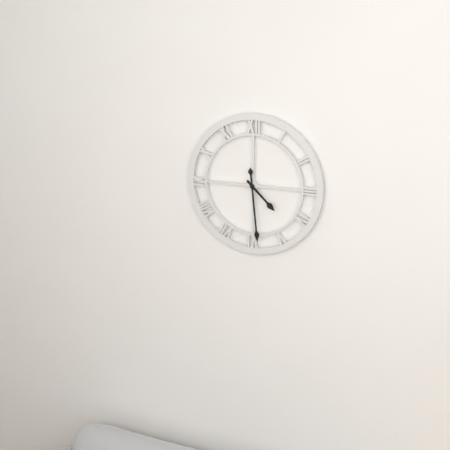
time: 4:29
